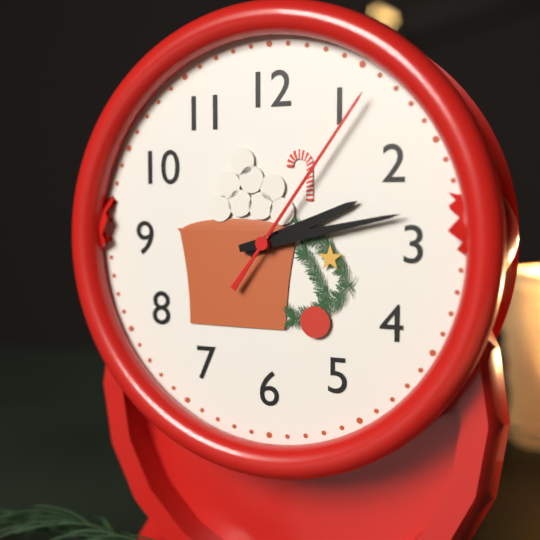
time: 2:13:06
